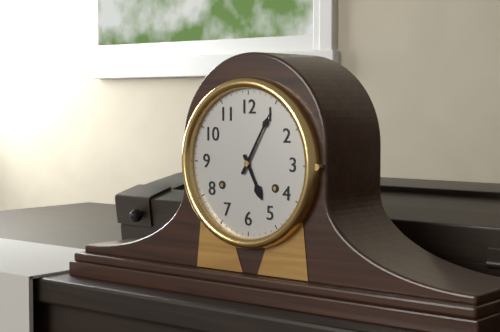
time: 5:05
